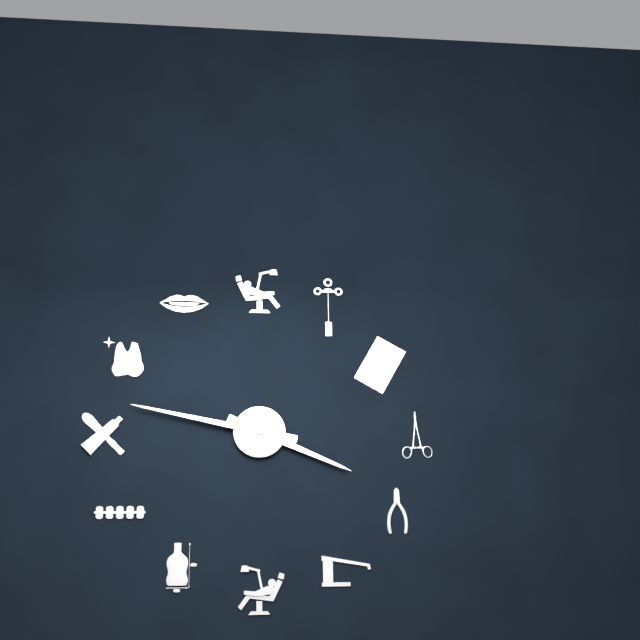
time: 3:47
